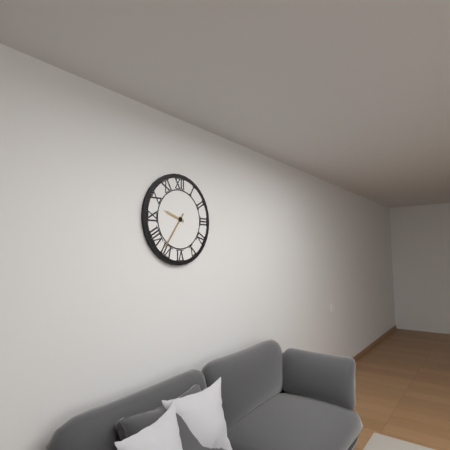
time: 9:36
